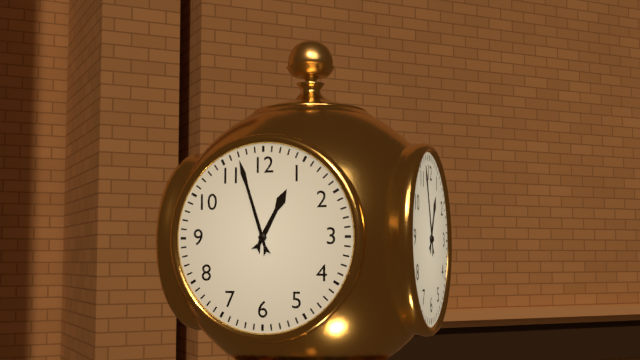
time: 12:57
